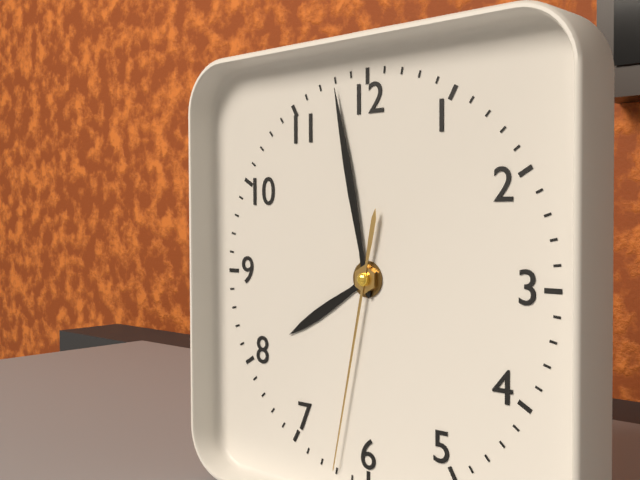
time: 7:58:32
